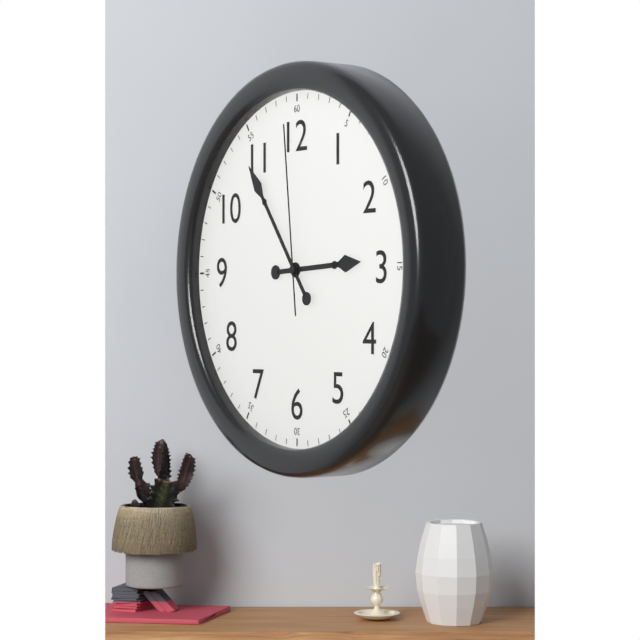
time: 2:54:59
